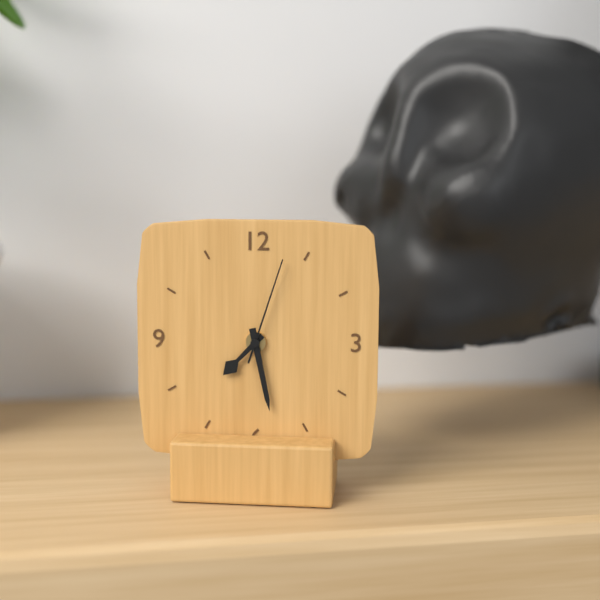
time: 7:28:03
